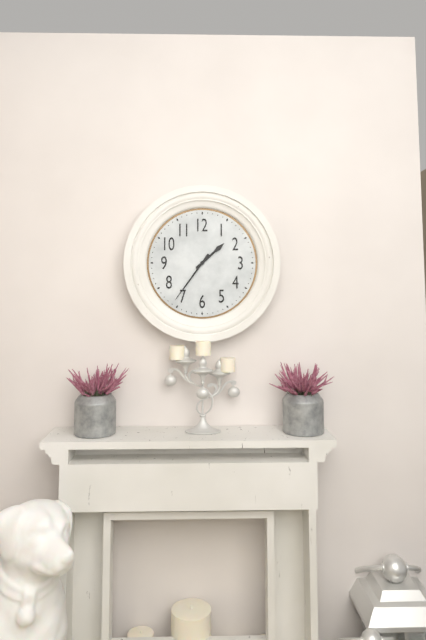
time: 1:36
